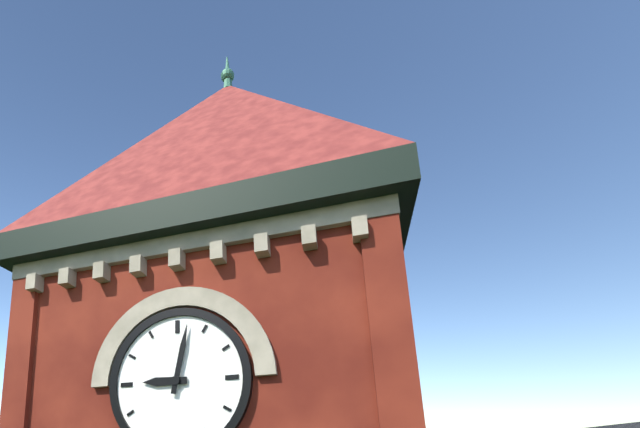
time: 9:02
